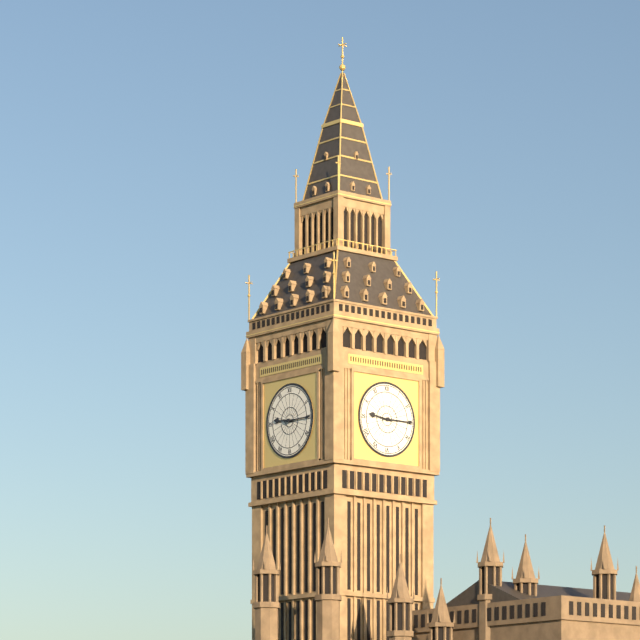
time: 9:15
